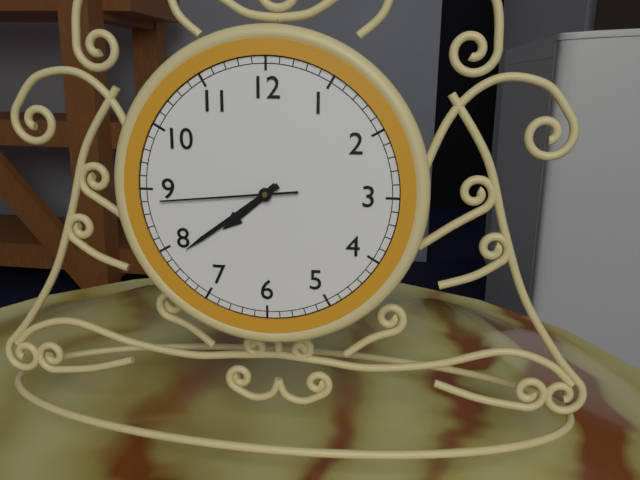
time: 7:39:44
